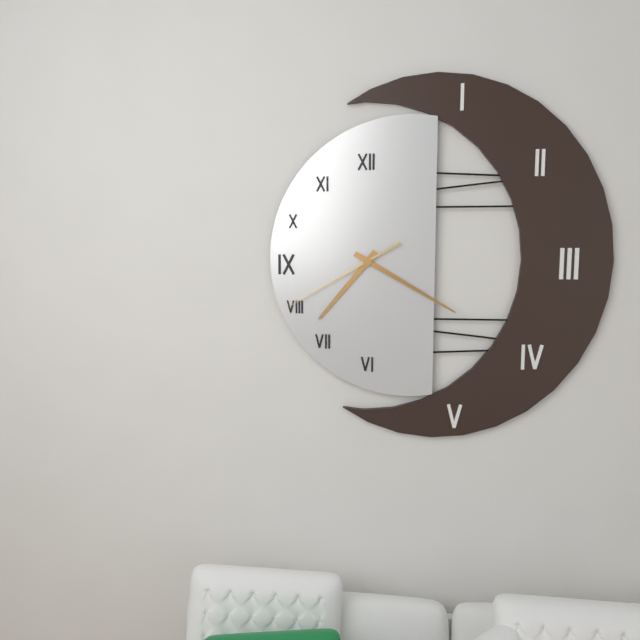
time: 7:20:40
